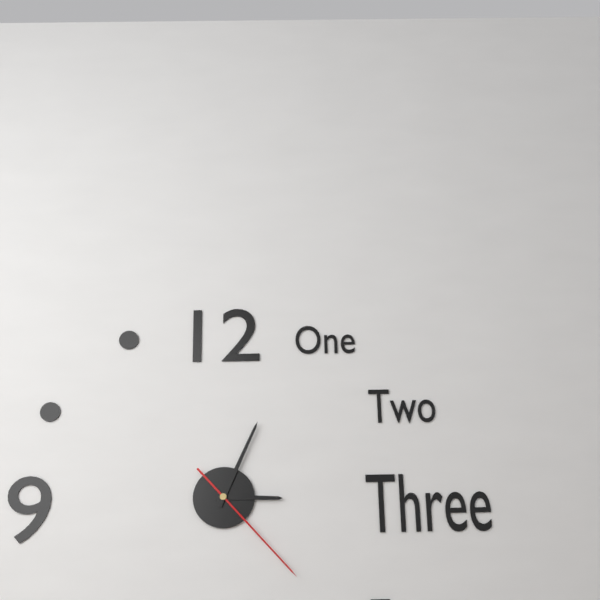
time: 3:04:23
